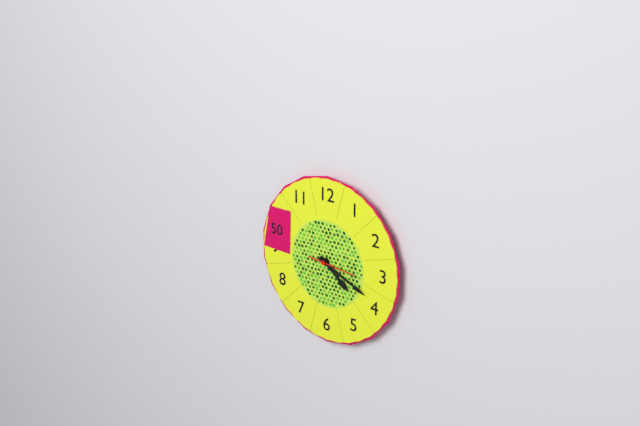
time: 4:19
